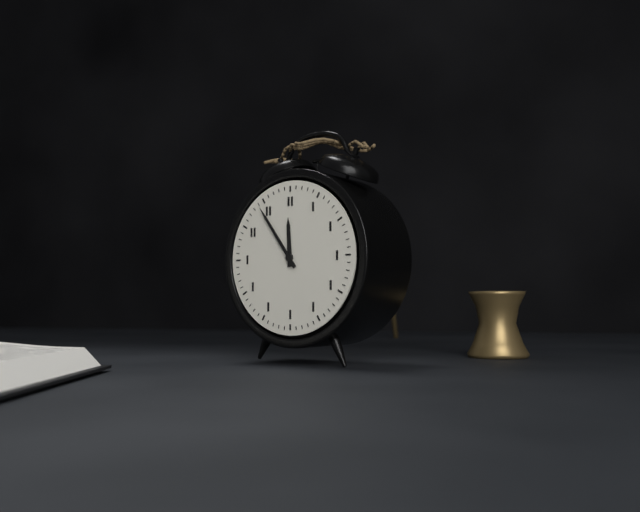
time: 11:54
